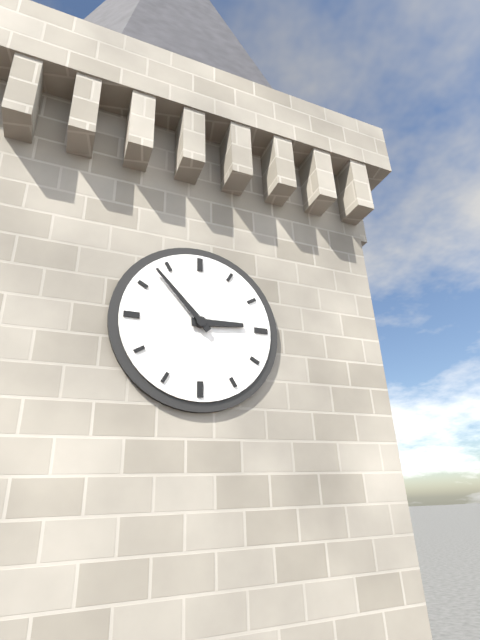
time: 2:53
